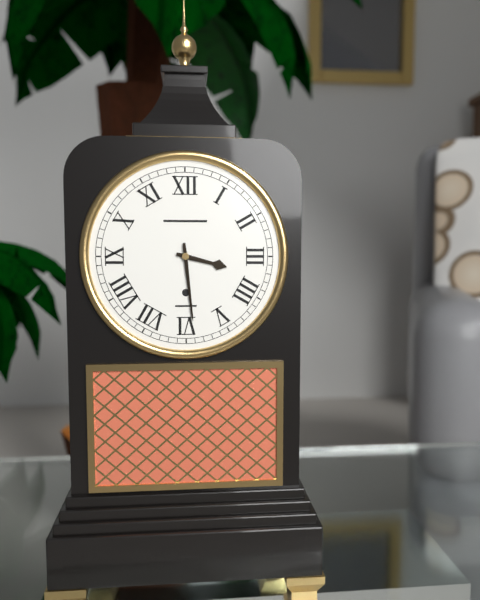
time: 3:29
